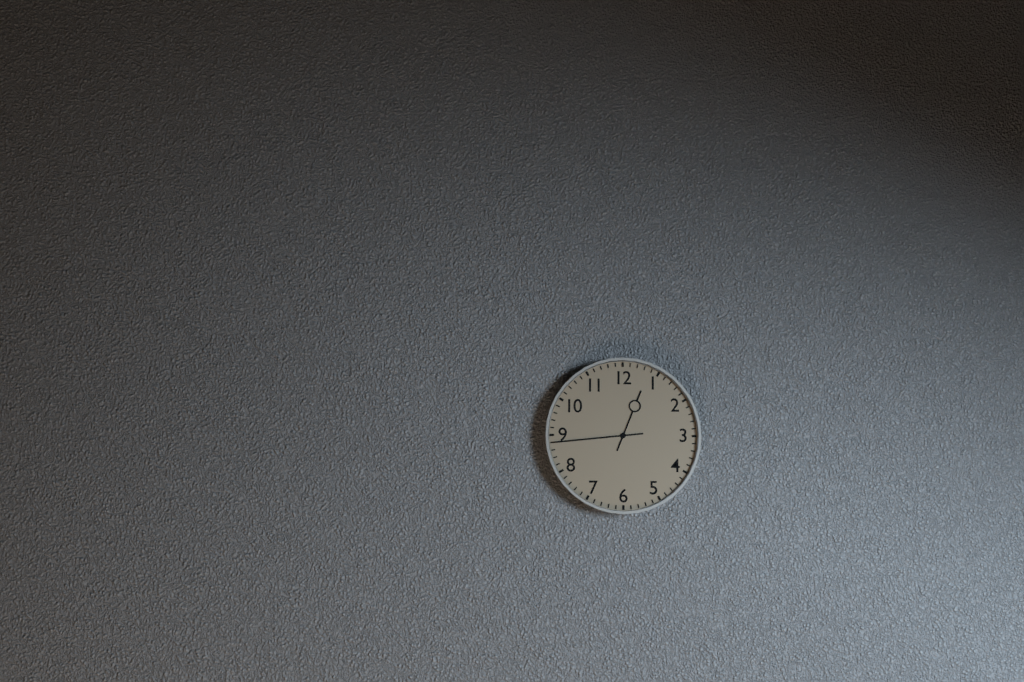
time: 12:44
